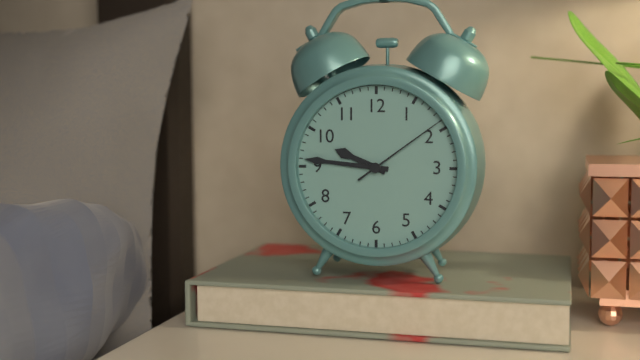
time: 9:46:09
